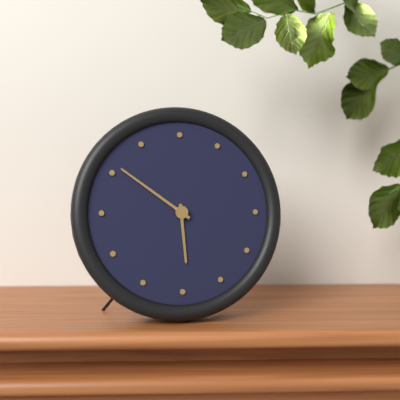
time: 5:51
